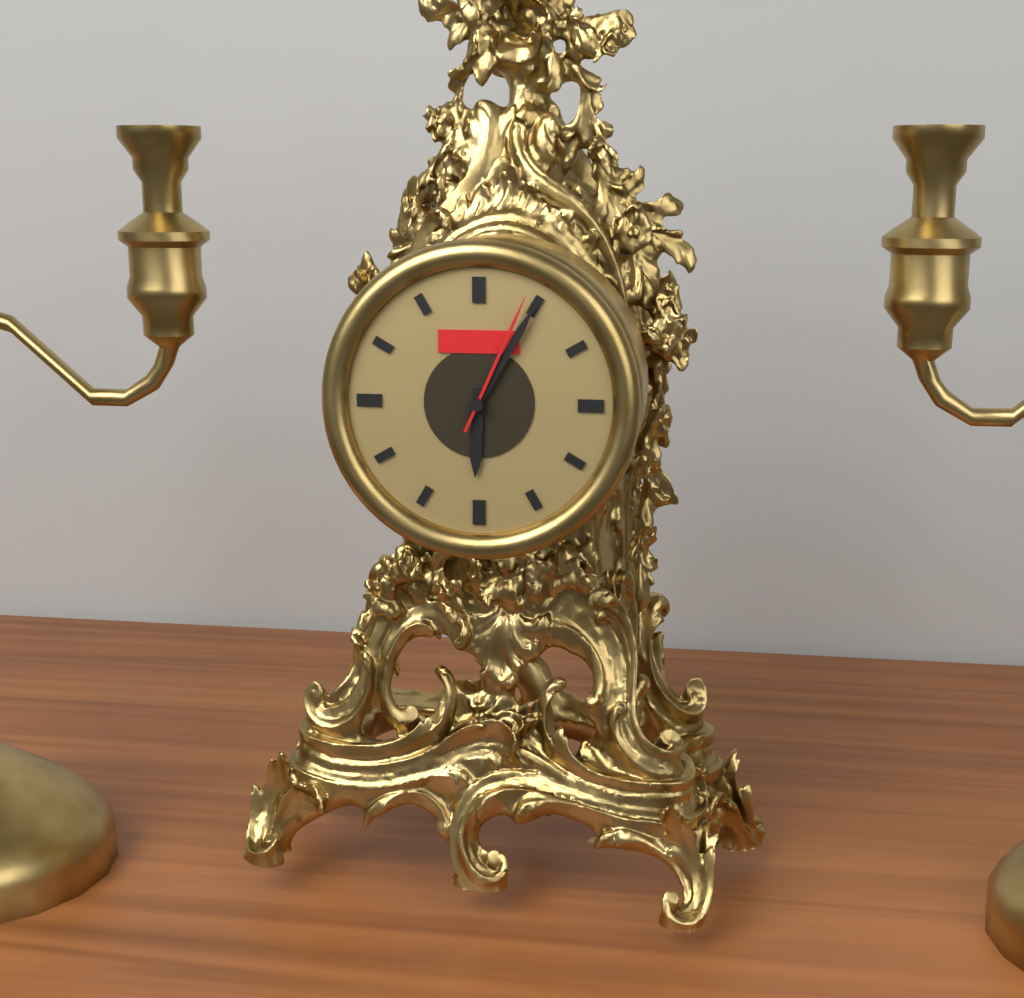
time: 6:05:04
